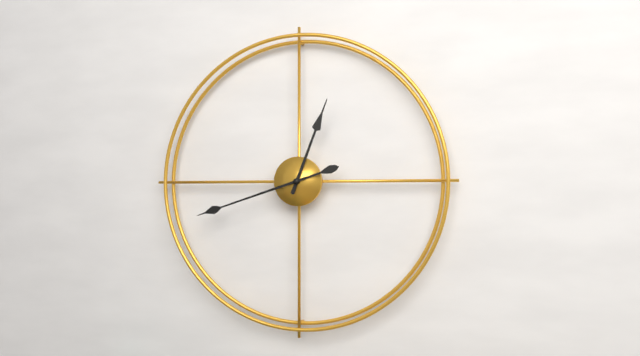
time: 12:42
